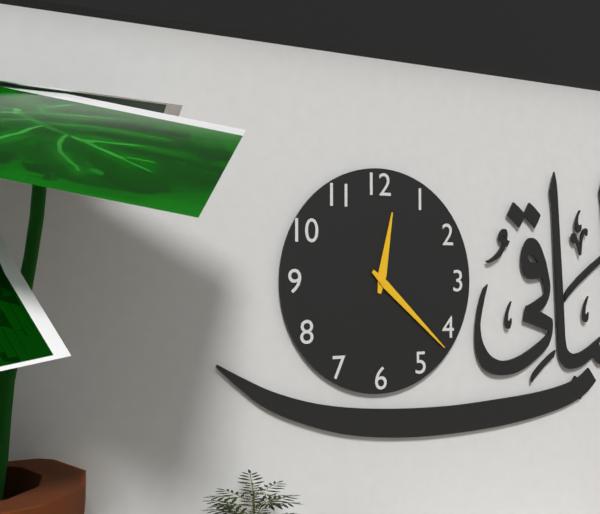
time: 12:22
